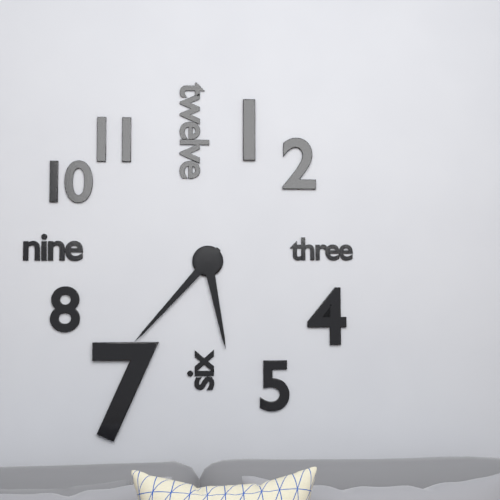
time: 5:37
